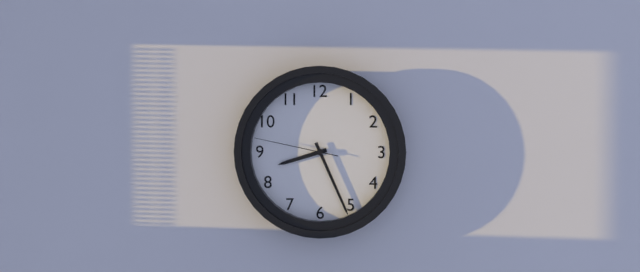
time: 8:26:47
